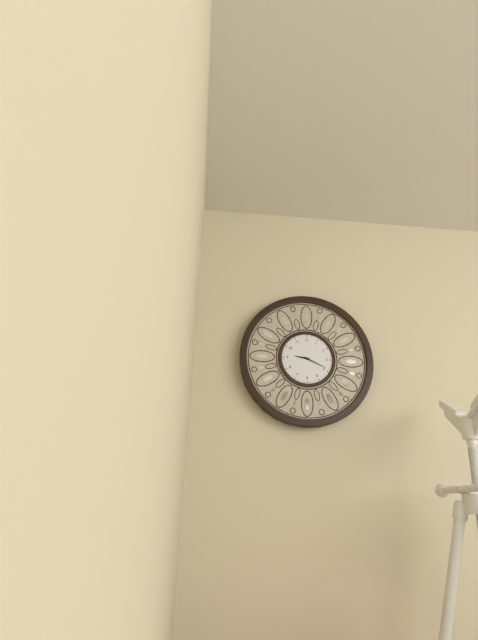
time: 9:19
